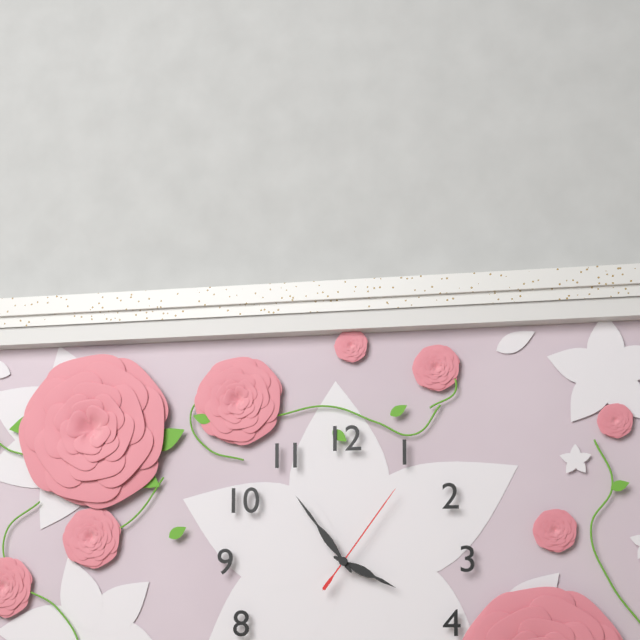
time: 3:54:06
